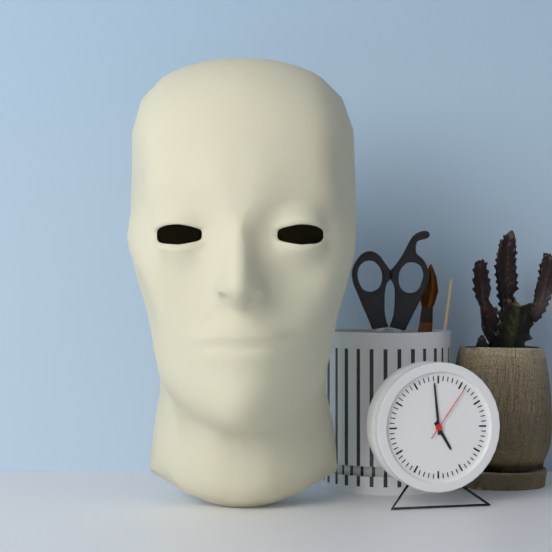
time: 4:59:06
